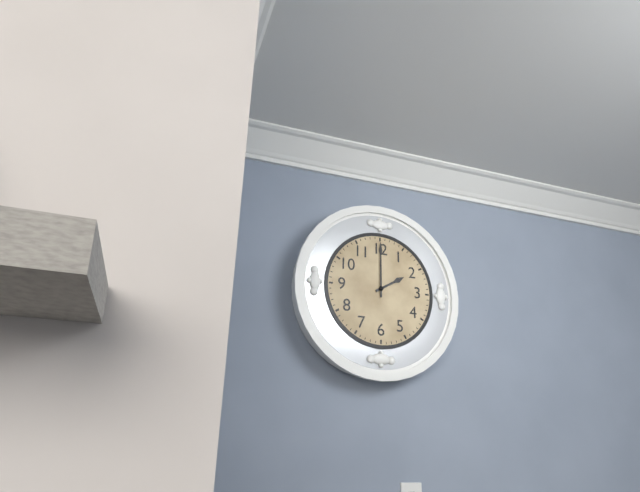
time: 2:00
